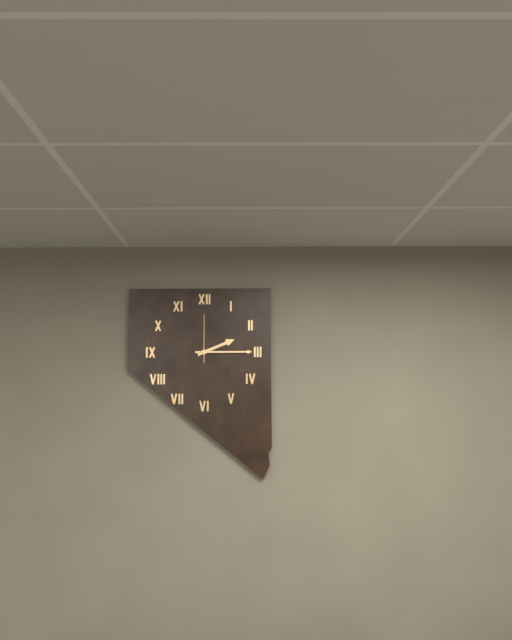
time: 2:15
